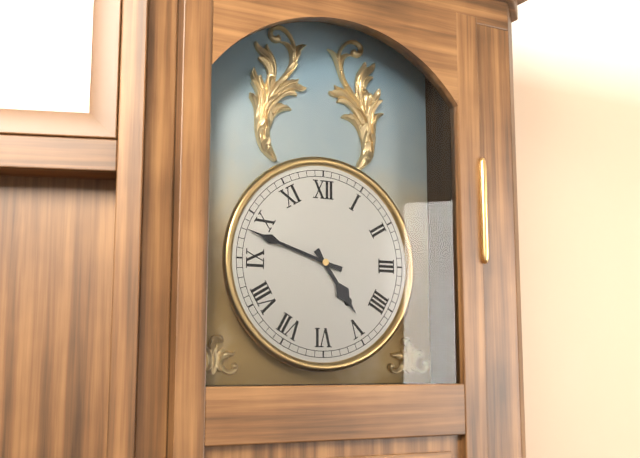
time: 4:48
